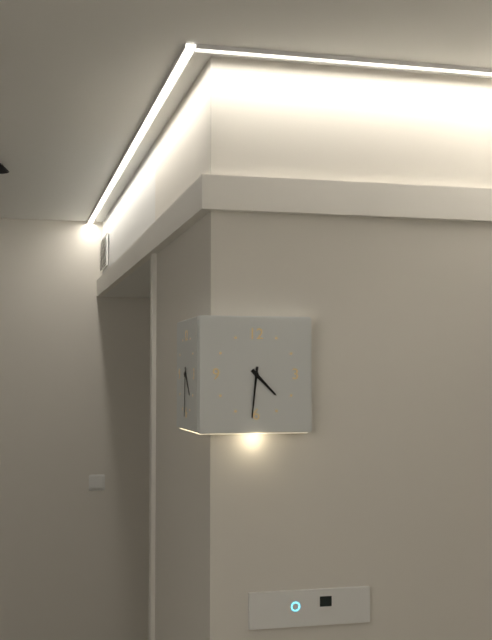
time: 4:31
